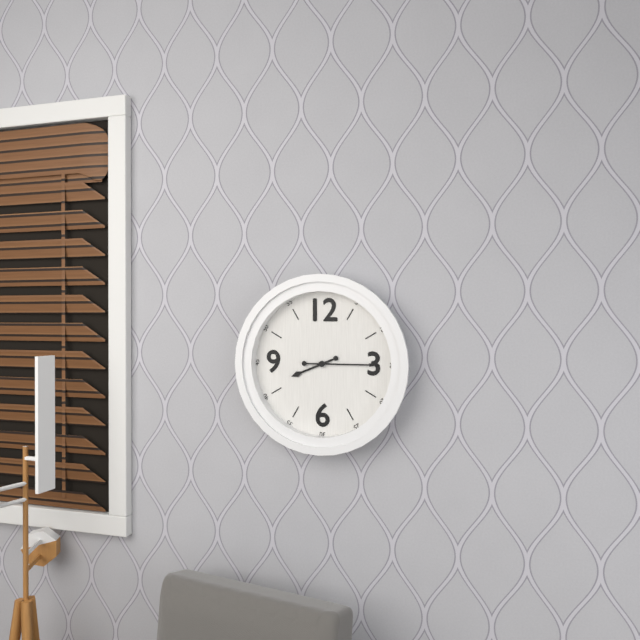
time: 8:15
